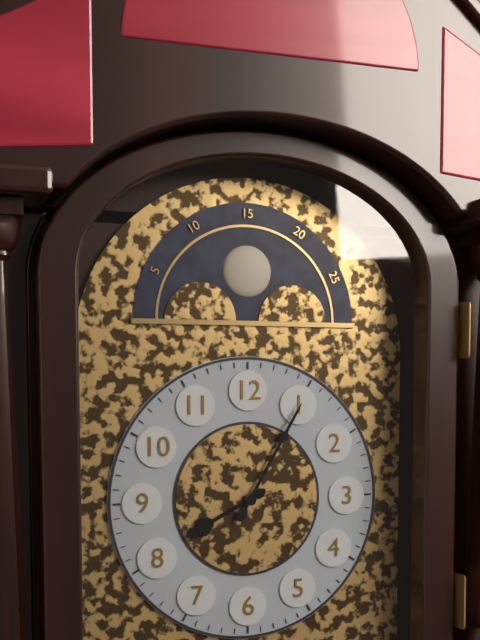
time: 8:05
